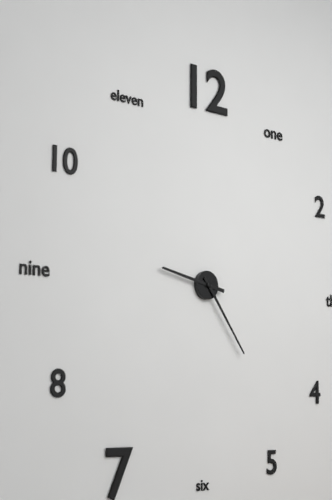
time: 9:24
